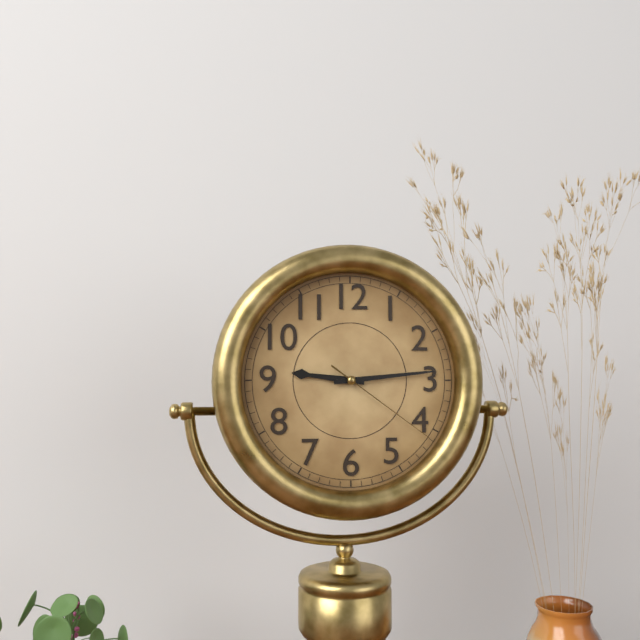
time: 9:14:21
